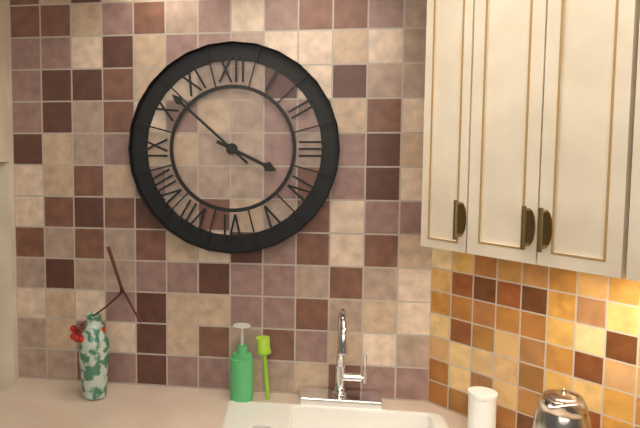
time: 3:52
